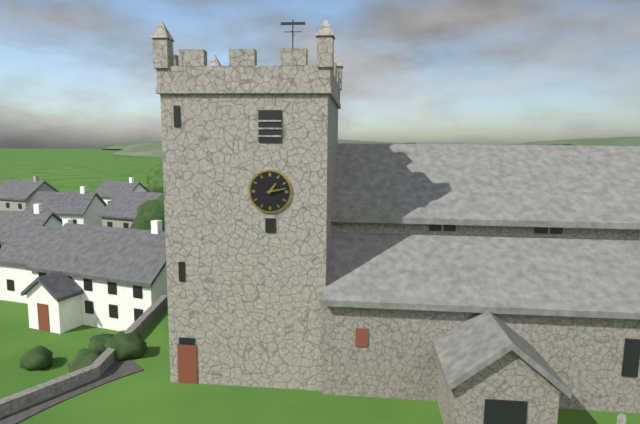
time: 1:13
